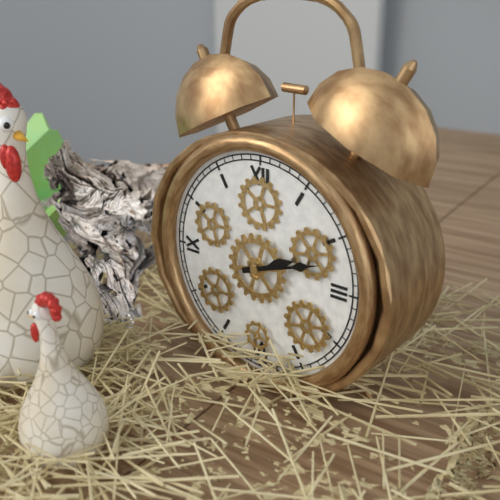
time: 2:12
